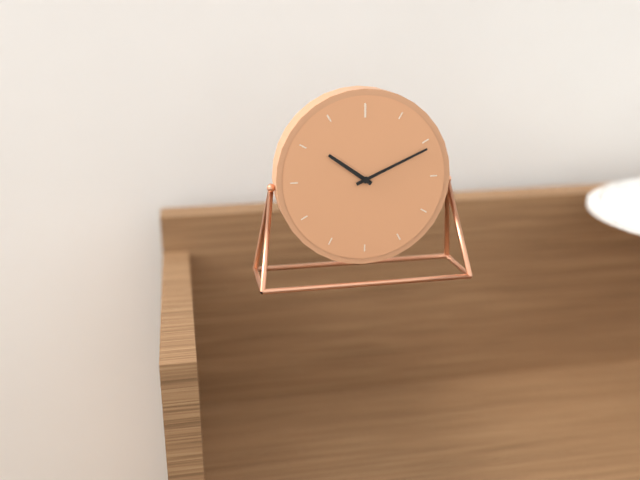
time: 10:11
